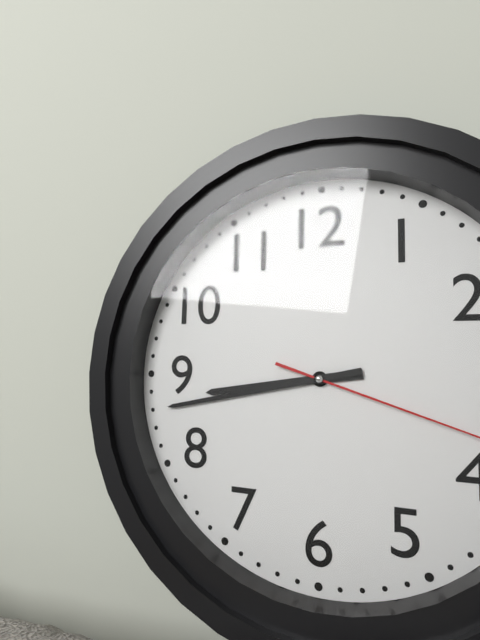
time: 8:43
